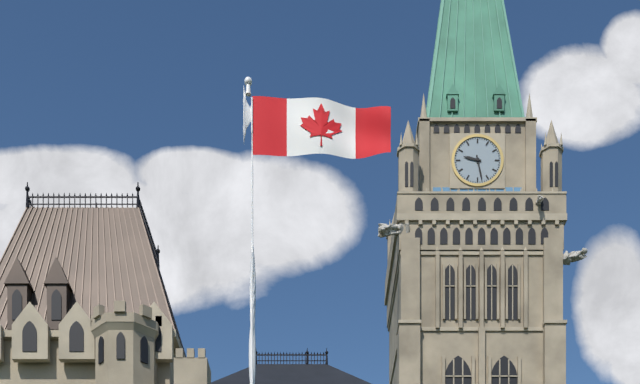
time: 9:28
